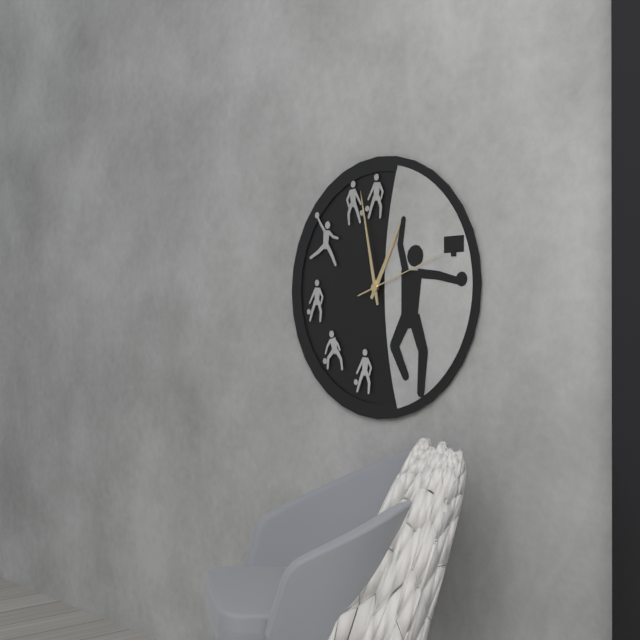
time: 12:58:12
